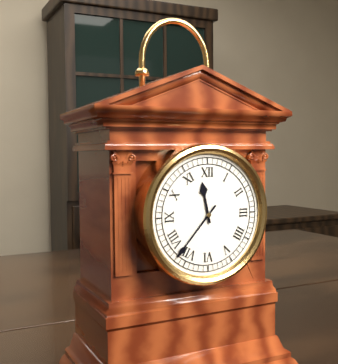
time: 11:37
